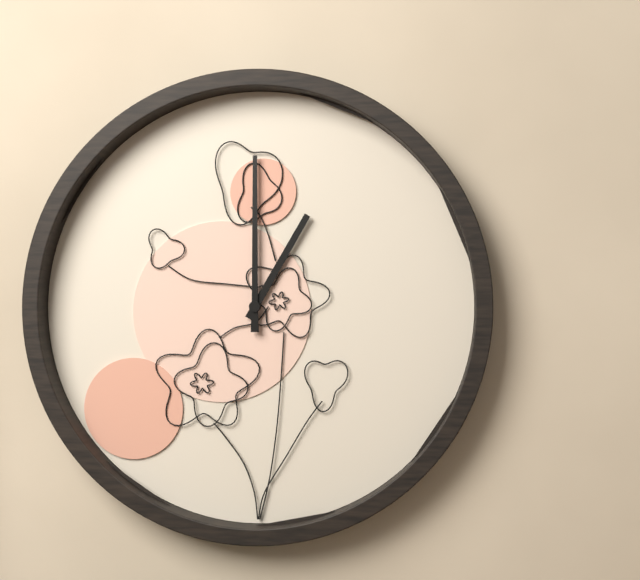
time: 1:00
